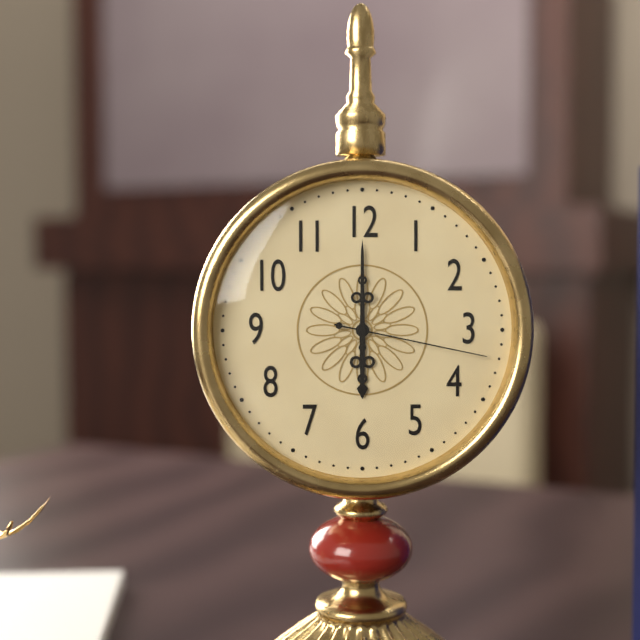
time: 6:00:17
